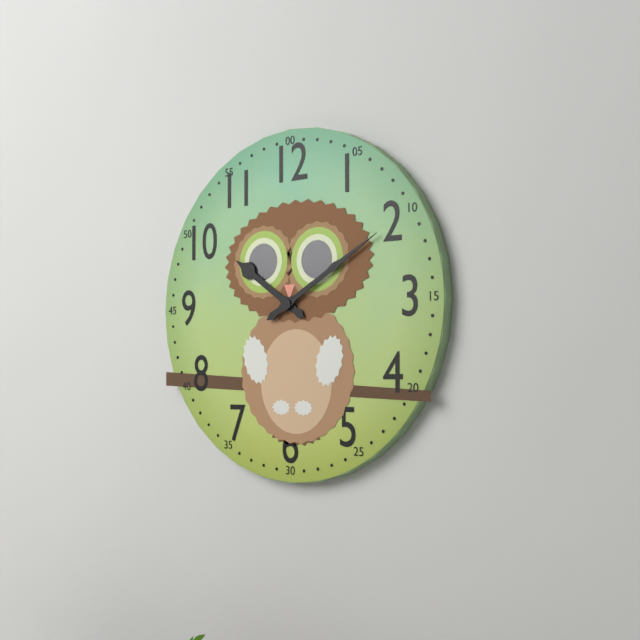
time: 10:10
